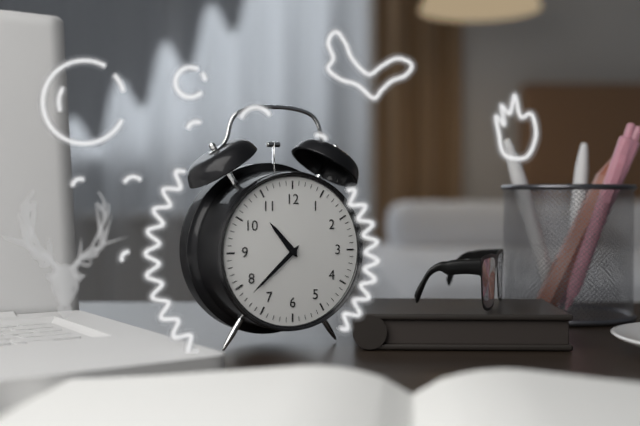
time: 10:38
